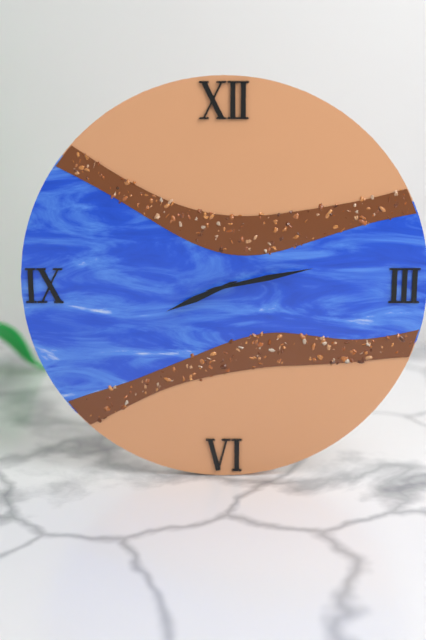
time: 8:13
